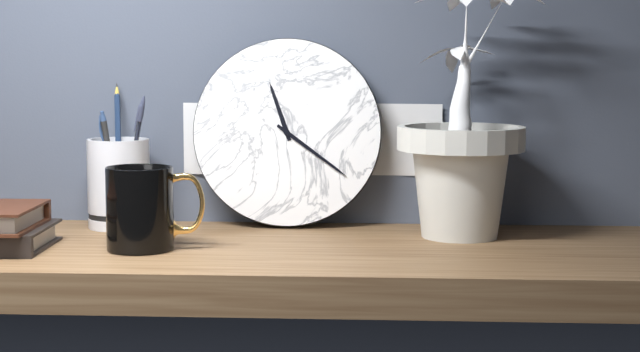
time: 11:21
